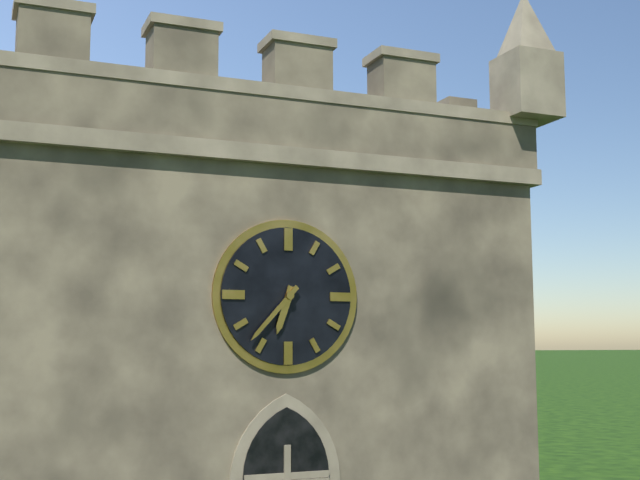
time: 6:37
